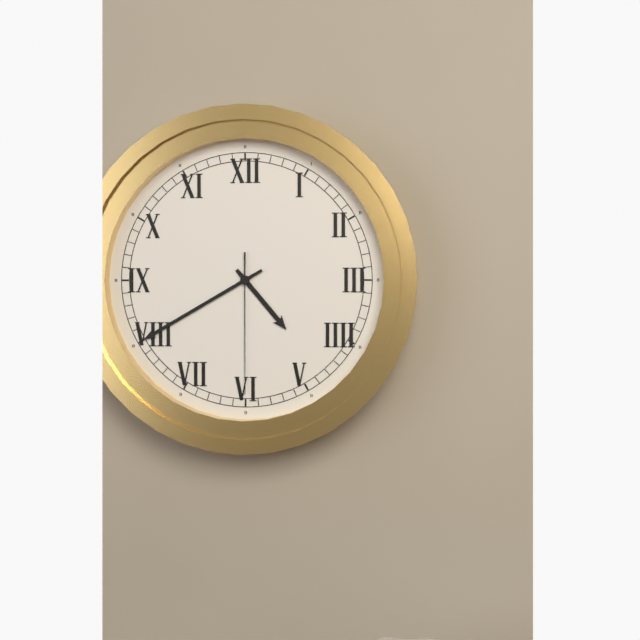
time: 4:40:30
